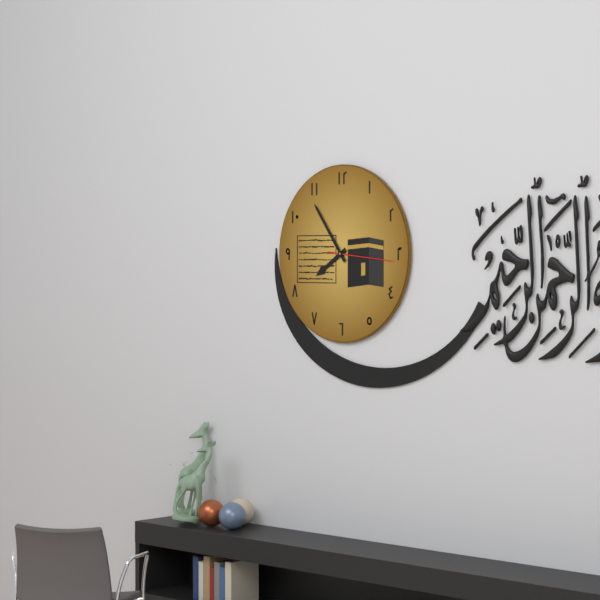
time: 7:54:16
